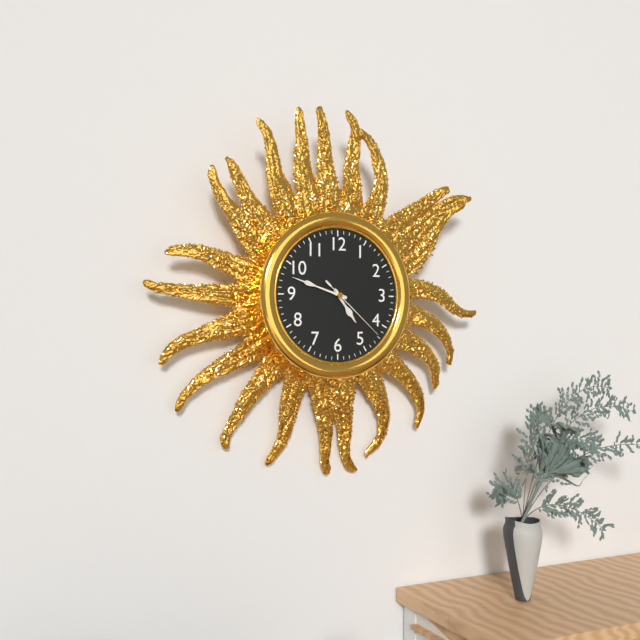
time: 4:48:22
